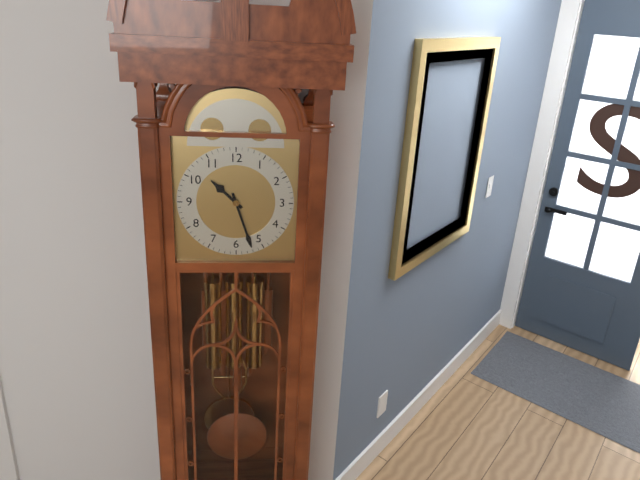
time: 10:27
